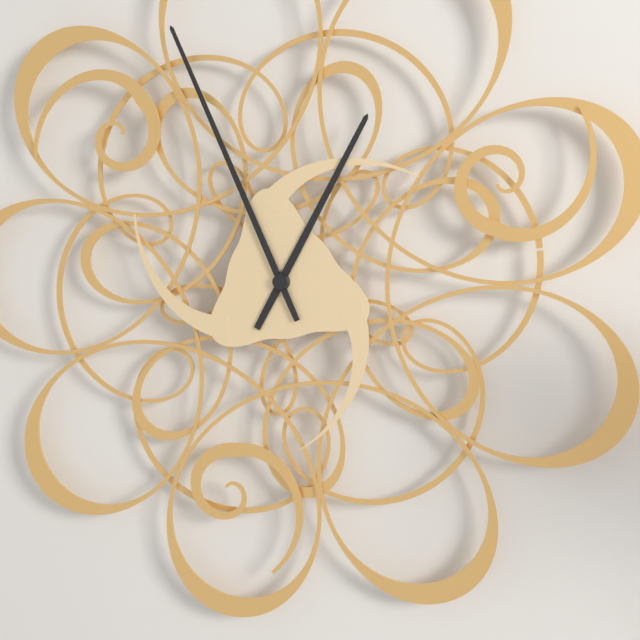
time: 12:56
